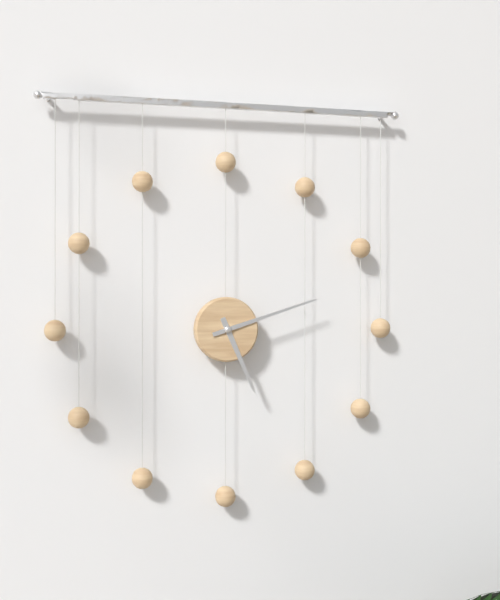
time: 5:12
